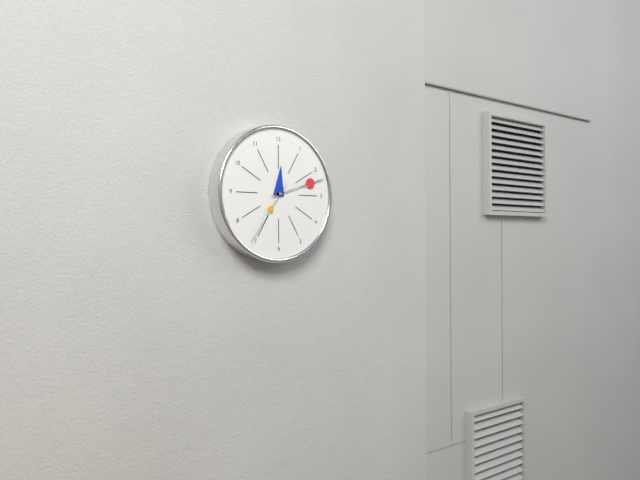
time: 12:12:36
